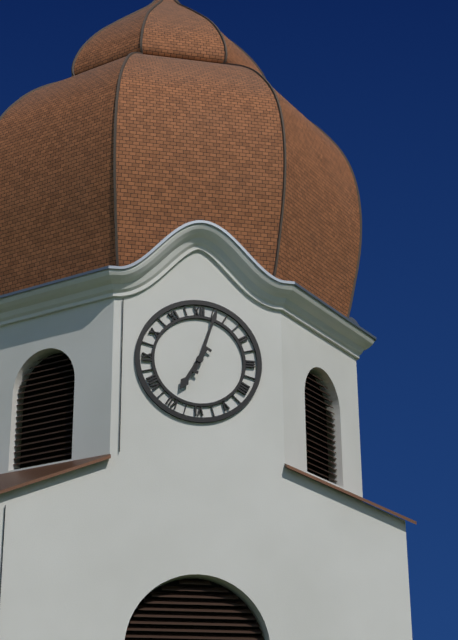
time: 7:03
